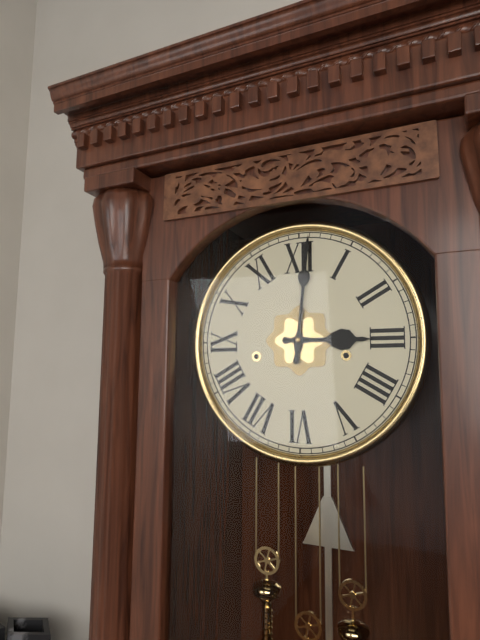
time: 3:01
